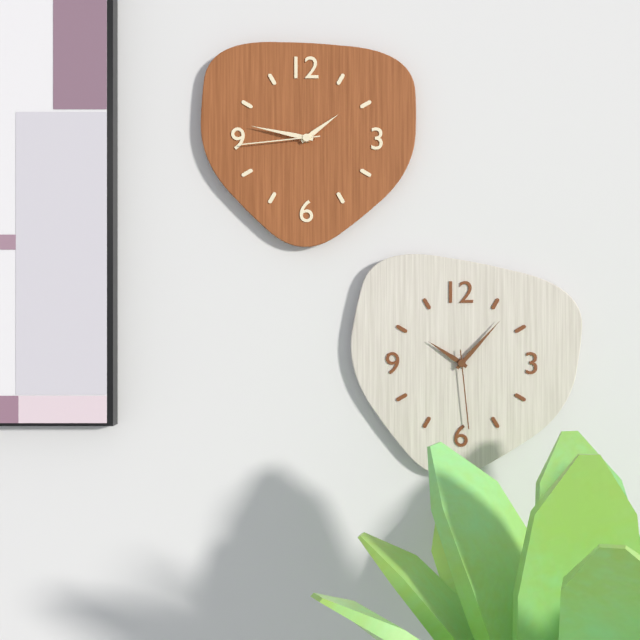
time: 1:47:44
